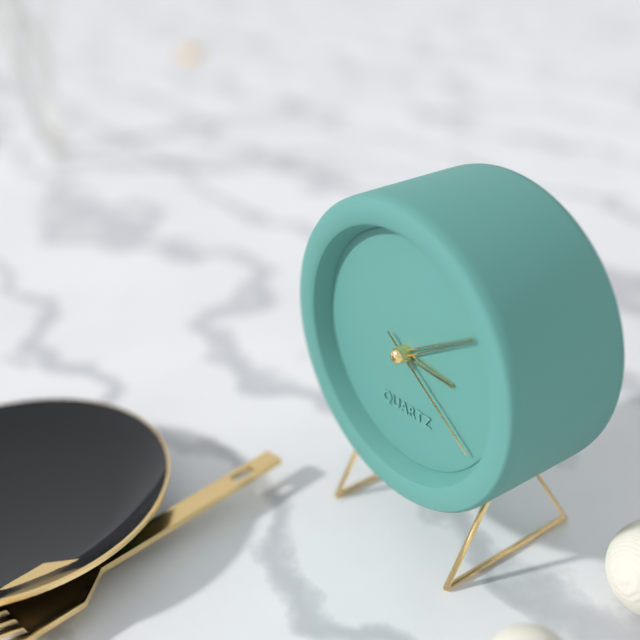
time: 3:10:21
